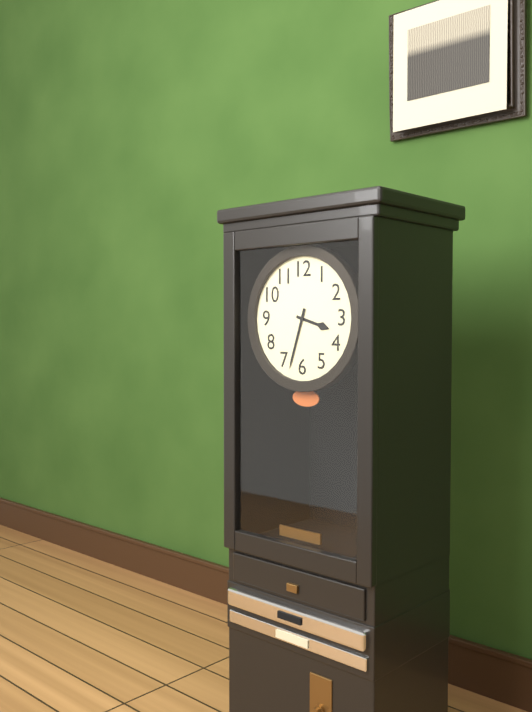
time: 3:33
